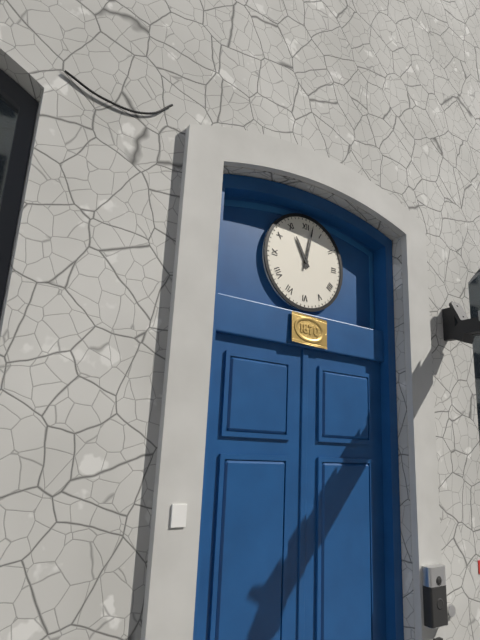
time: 11:02
